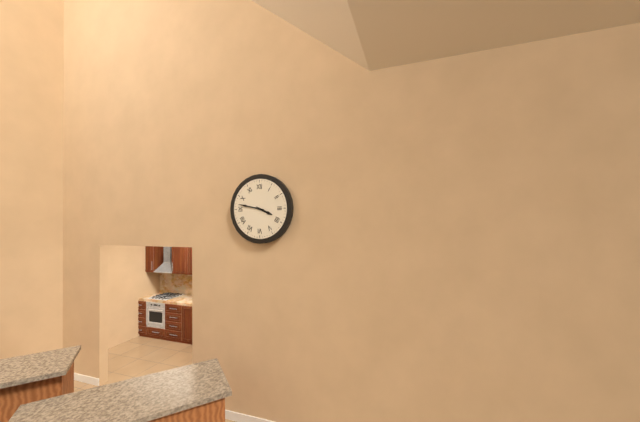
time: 3:47
